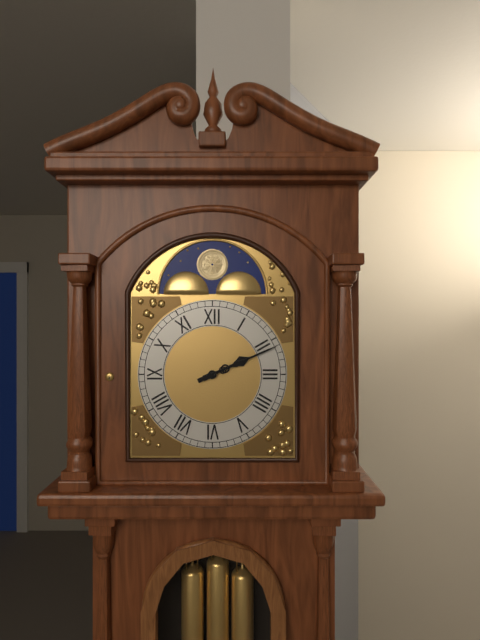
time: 2:11
